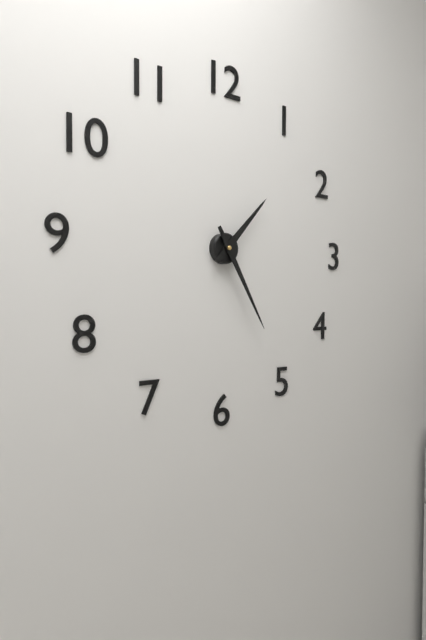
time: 1:25
